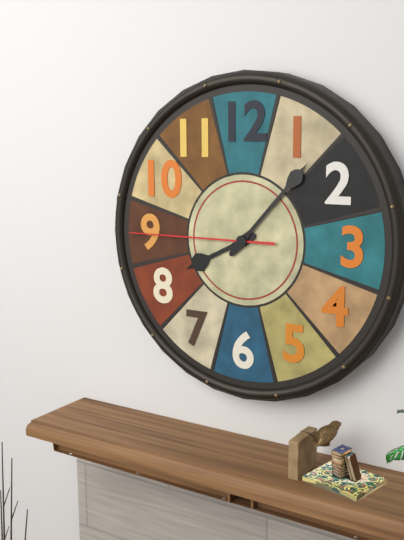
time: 8:07:45
